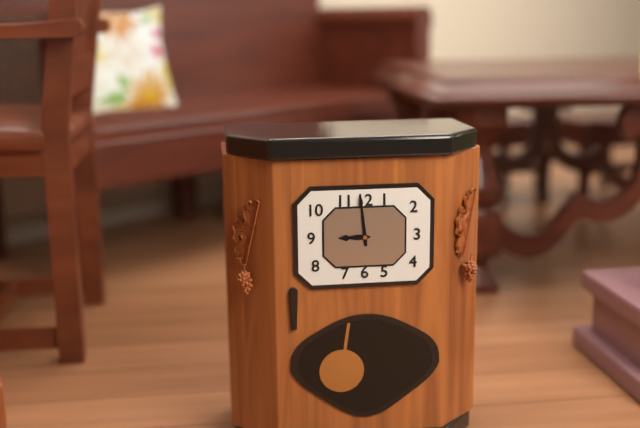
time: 8:59
